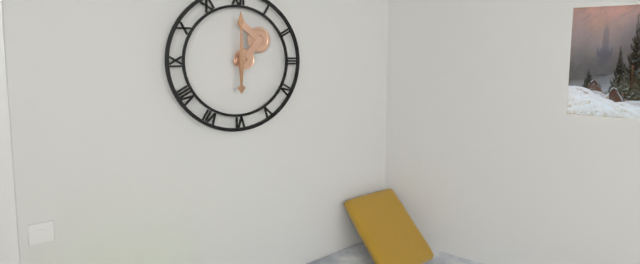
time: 6:00
